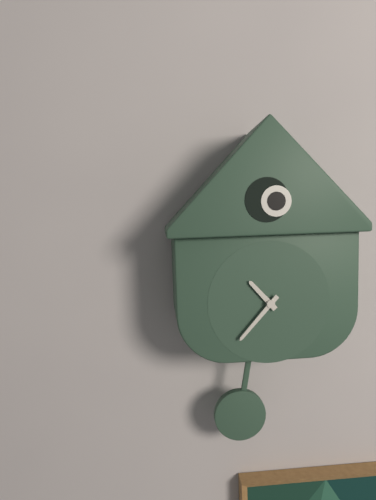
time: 10:37
